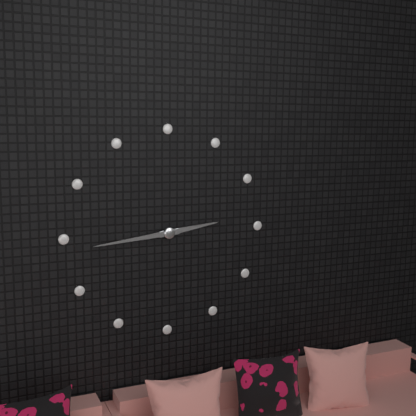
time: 2:44
